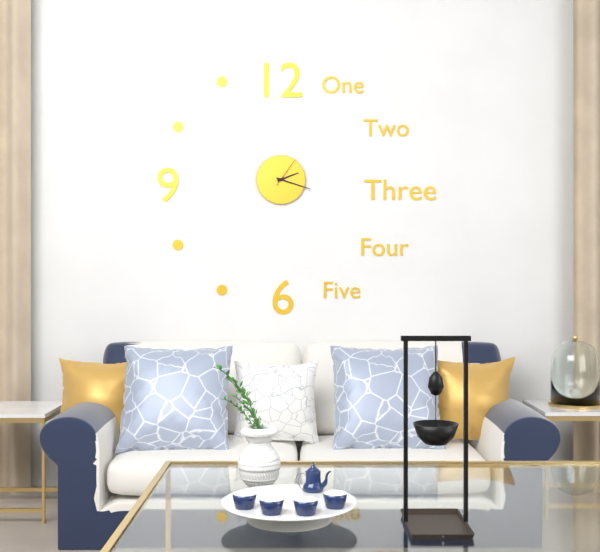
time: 2:18
